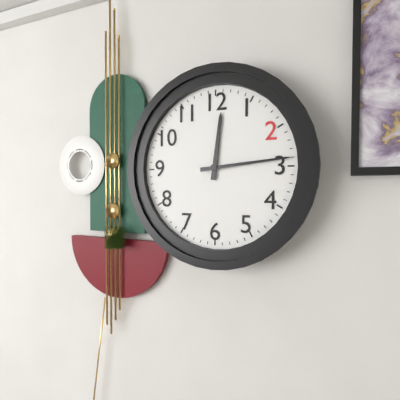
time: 12:14
